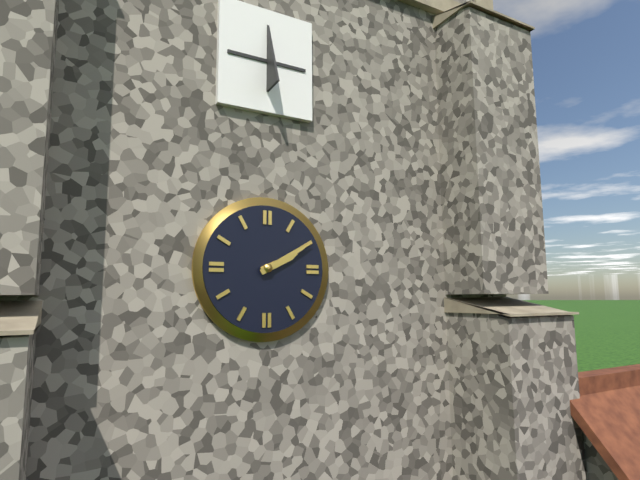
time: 2:10
